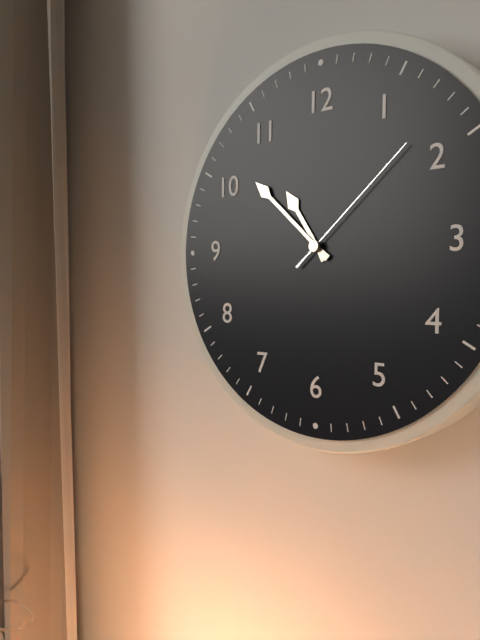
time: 10:52:08
